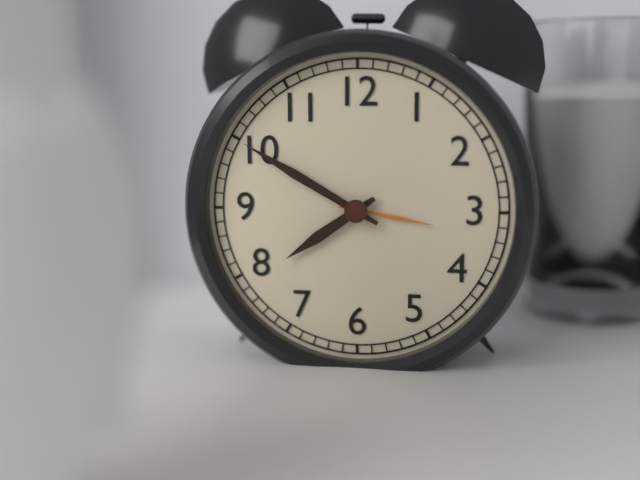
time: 7:50
